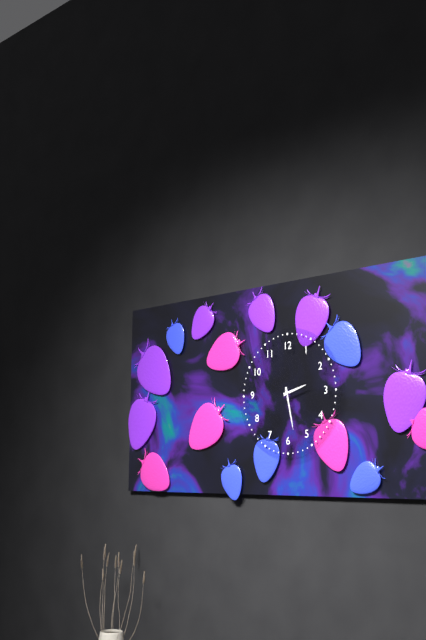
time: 2:28
